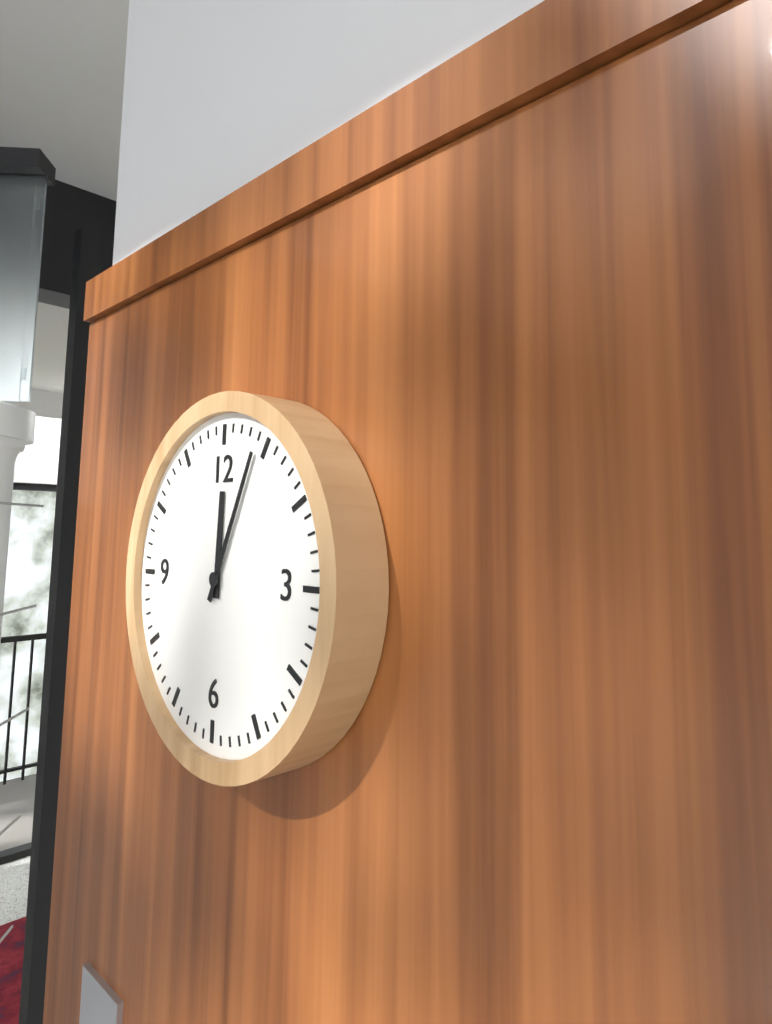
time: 12:04
